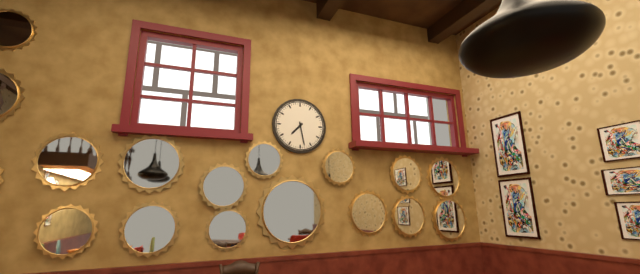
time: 7:28
